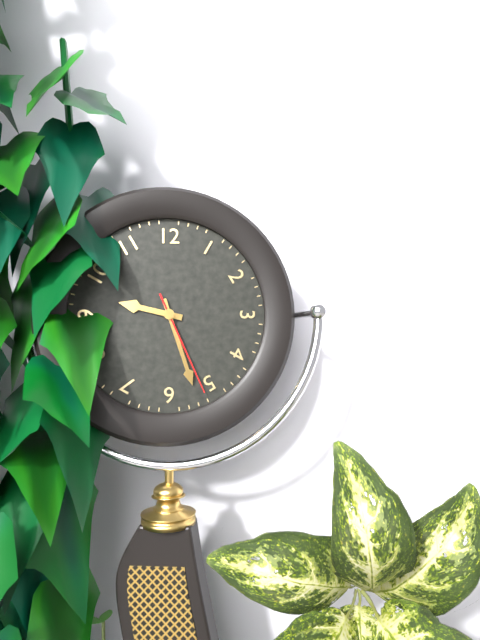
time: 9:27:26
